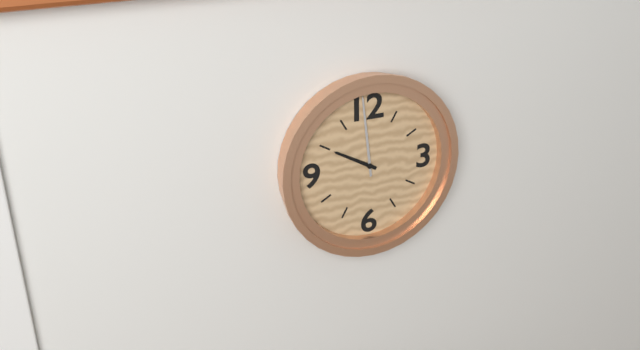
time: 9:59
